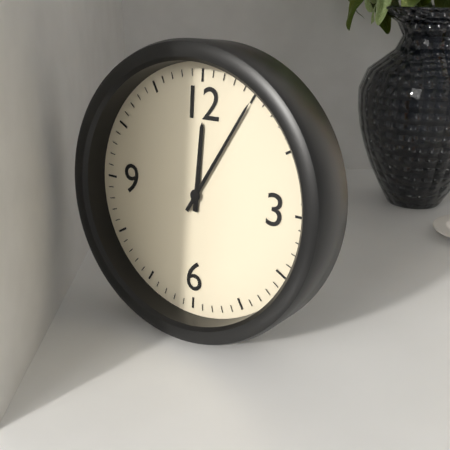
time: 12:05
